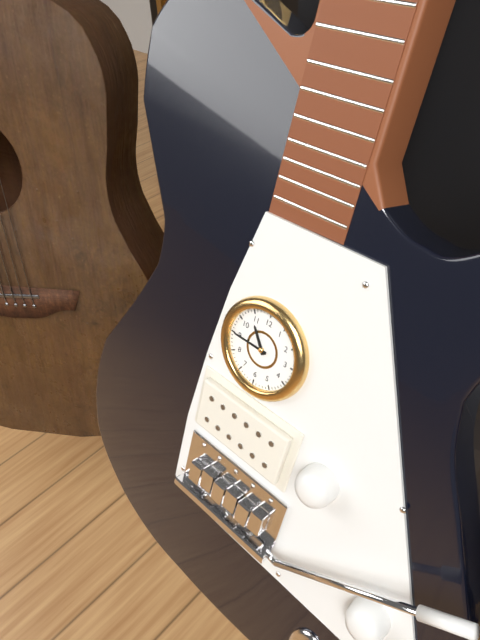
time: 10:45
